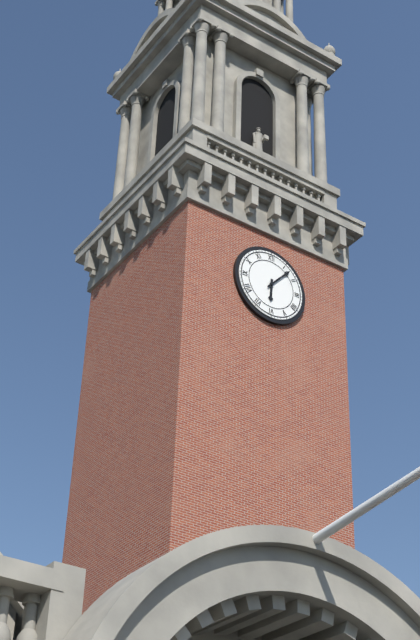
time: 6:07
